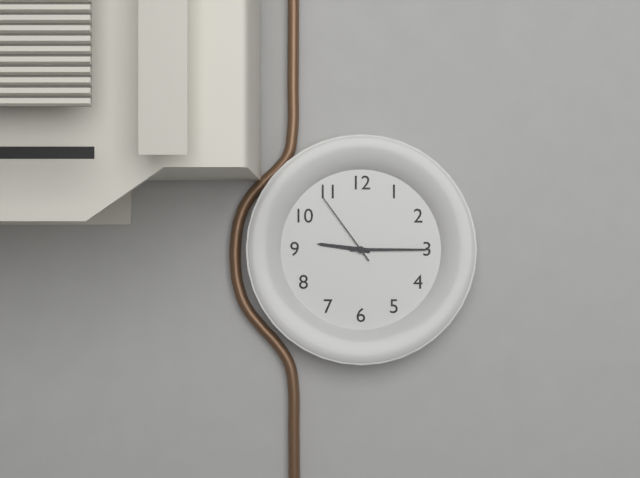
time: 9:15:54
